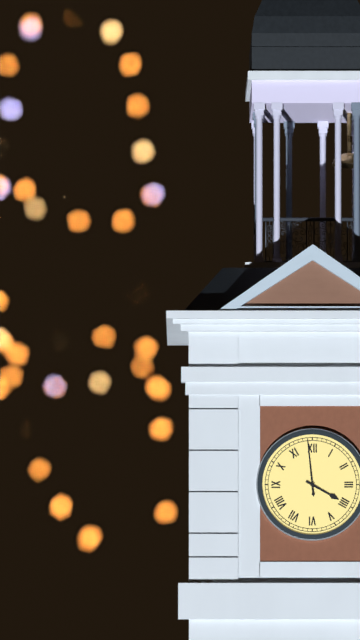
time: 3:59
